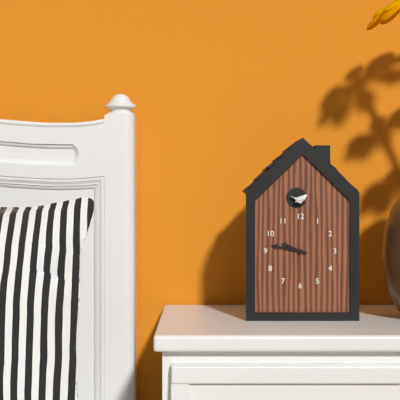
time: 9:47
